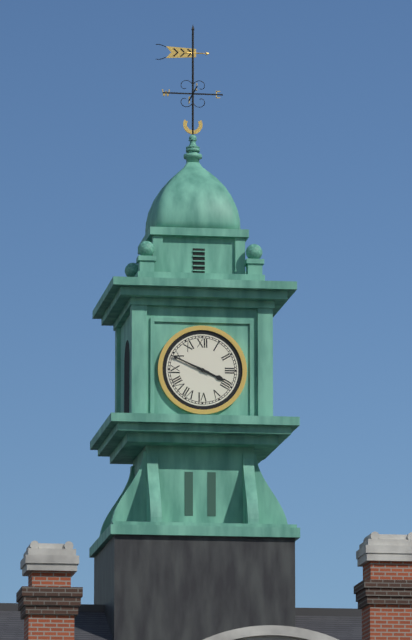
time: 3:49
